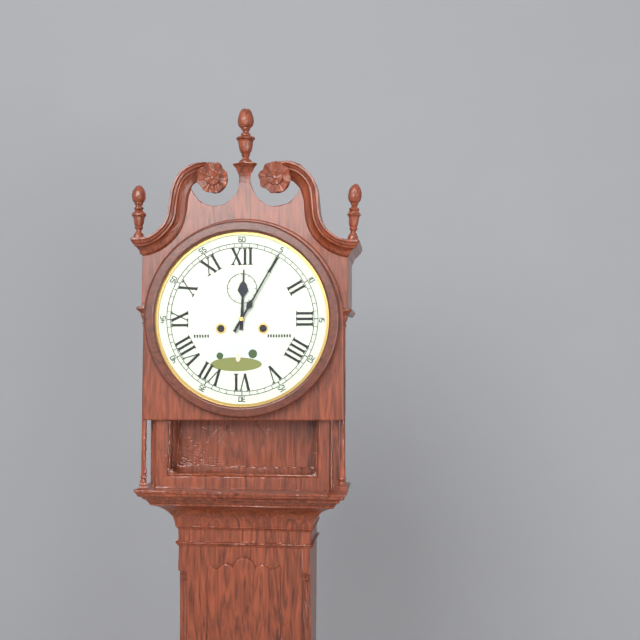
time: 12:05
